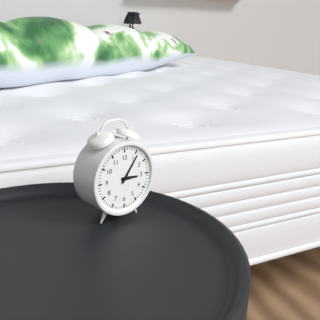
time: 3:06
